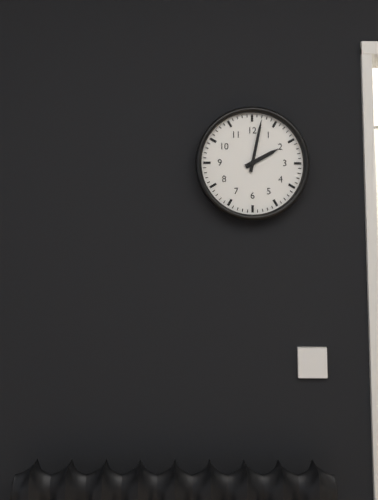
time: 2:02
